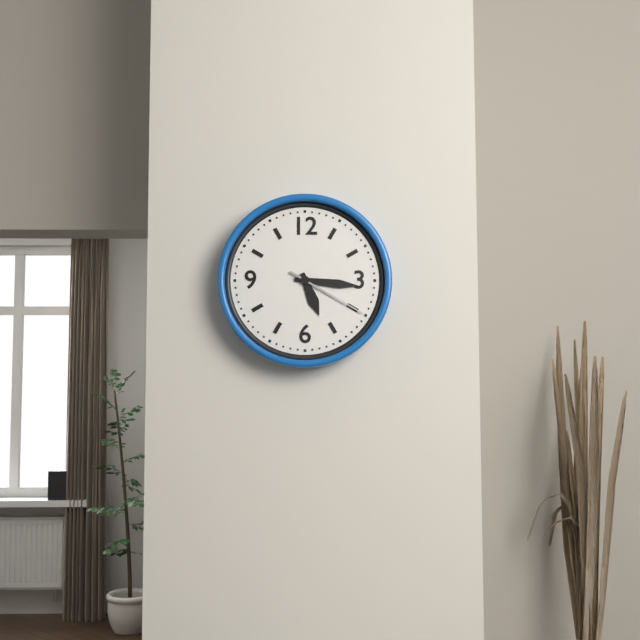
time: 5:16:20
